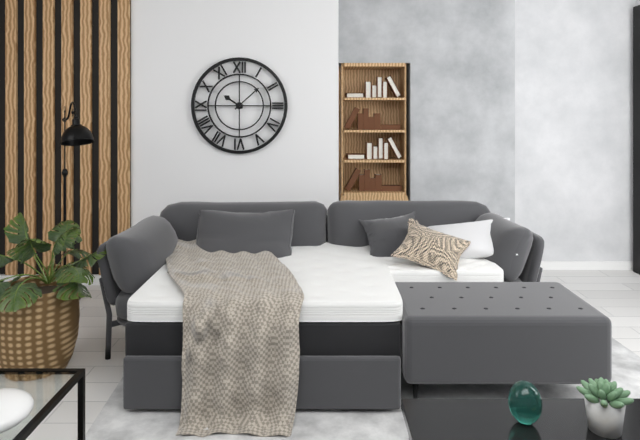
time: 10:08
